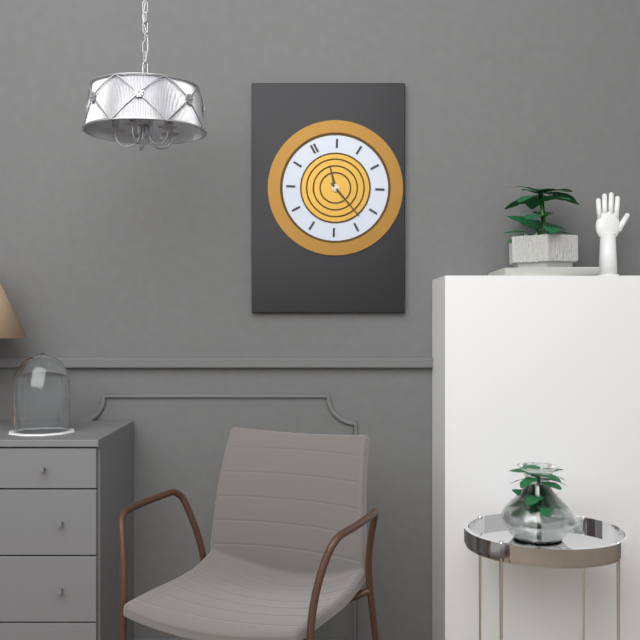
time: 12:28
